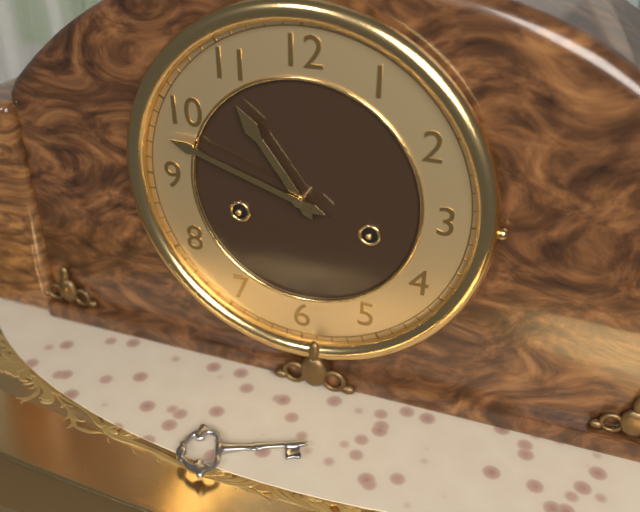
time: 10:48
